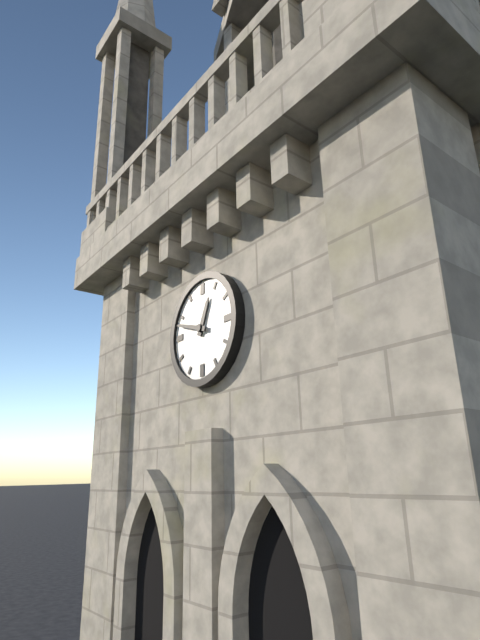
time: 12:48
